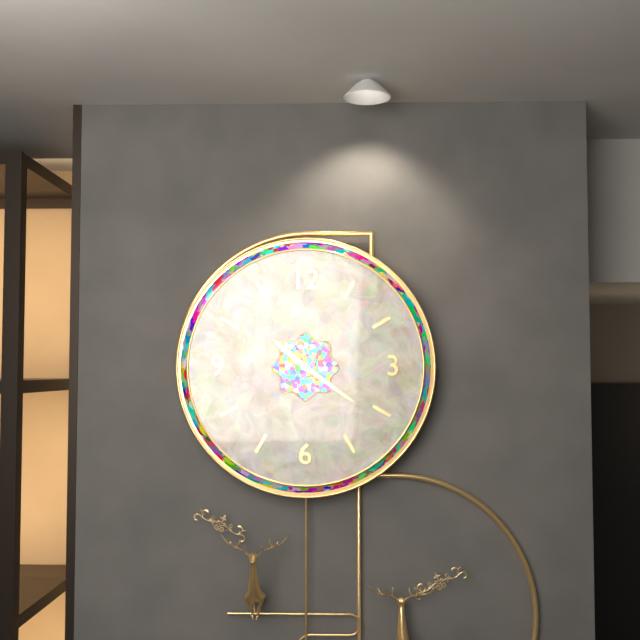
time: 10:21
